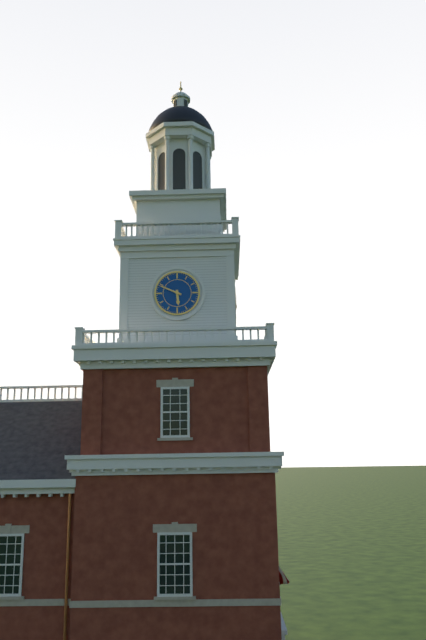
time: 5:49
